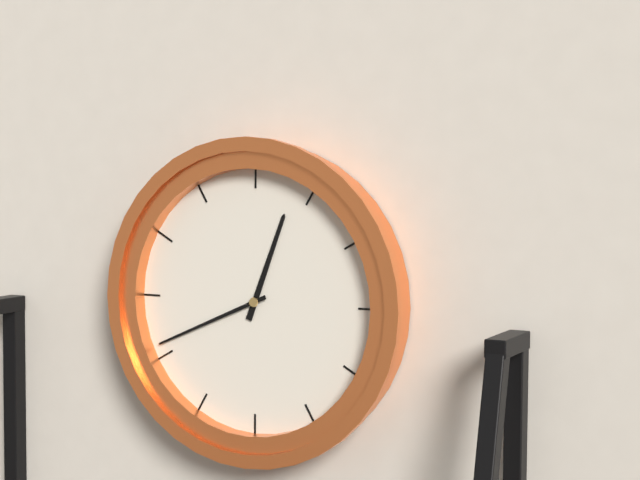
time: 12:41
